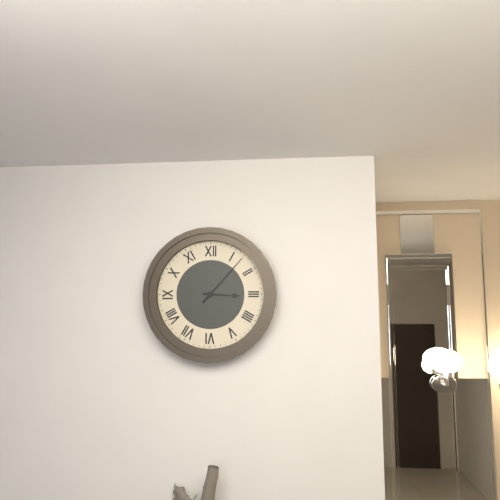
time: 3:07
